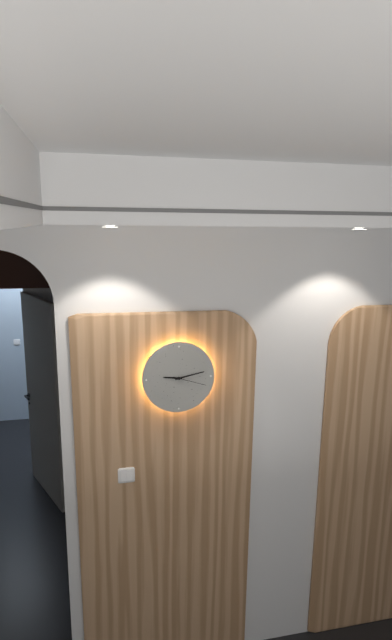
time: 9:13
